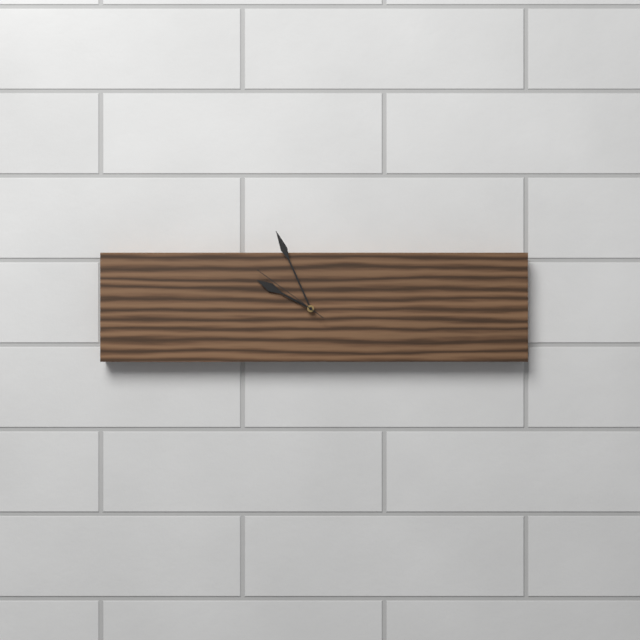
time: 9:56:51
